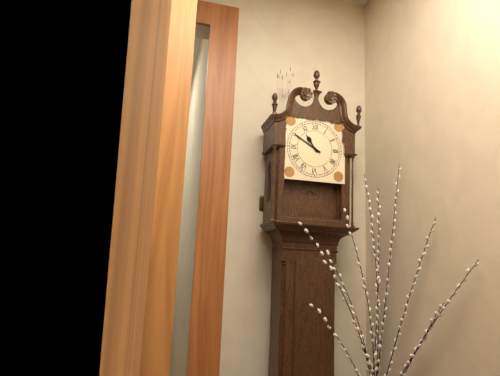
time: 10:50
